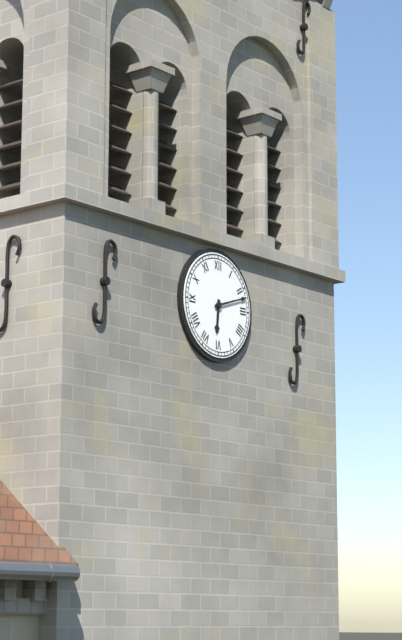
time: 6:12
